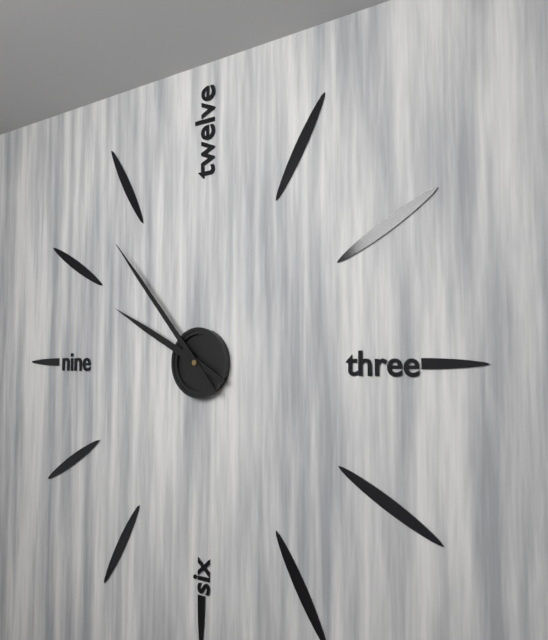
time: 9:53
